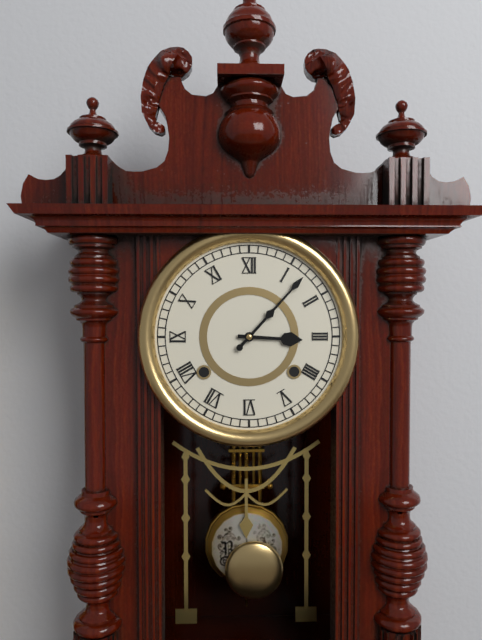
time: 3:07
